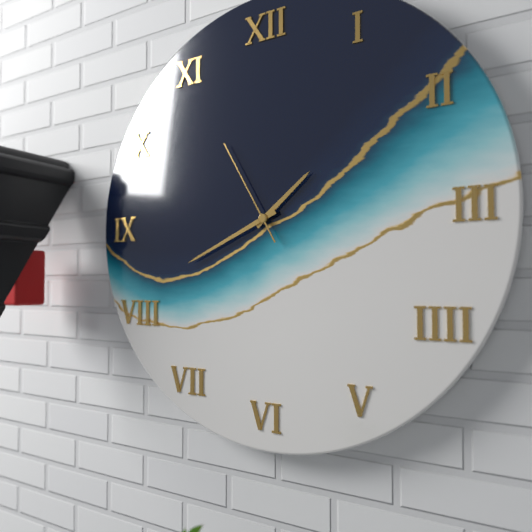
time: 1:41:55
